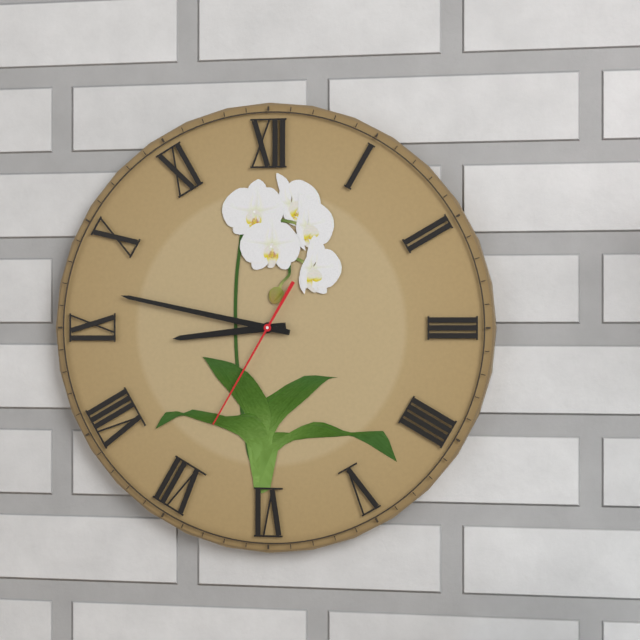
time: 8:47:35
